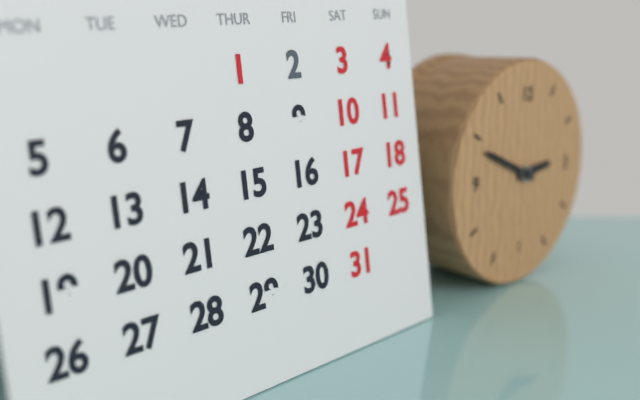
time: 2:49
